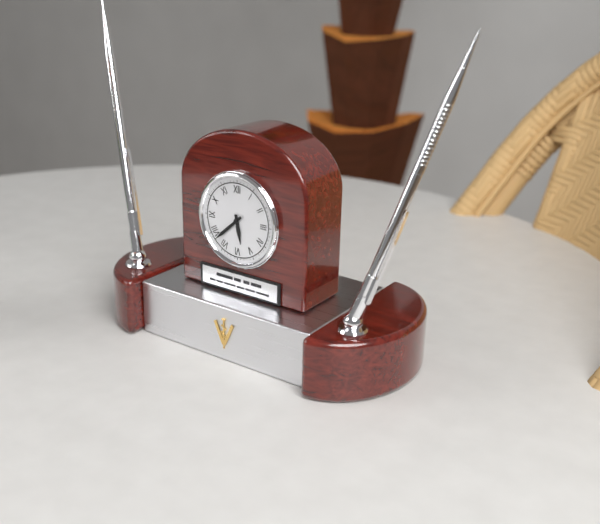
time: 5:38
